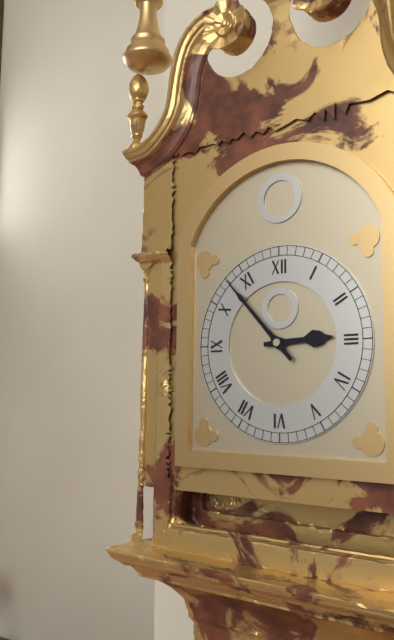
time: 2:53
